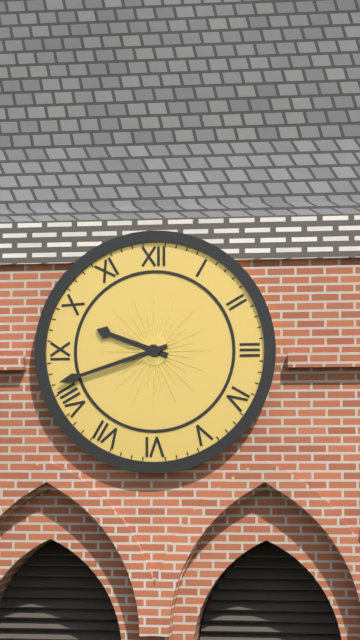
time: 9:42
